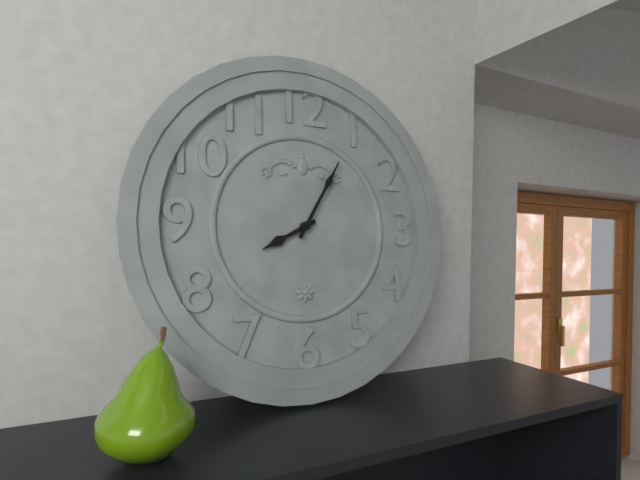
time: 8:05
